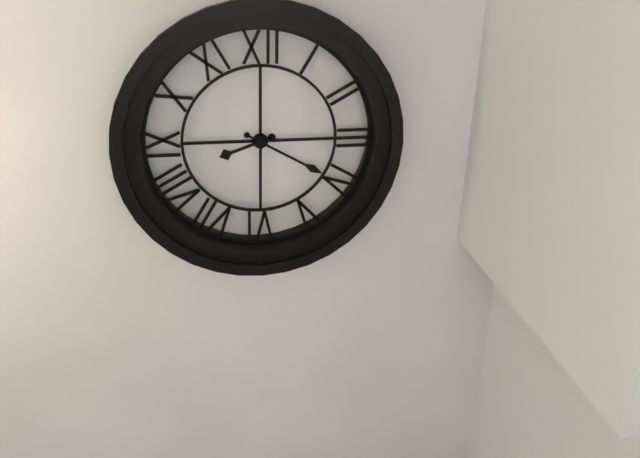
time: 8:20
